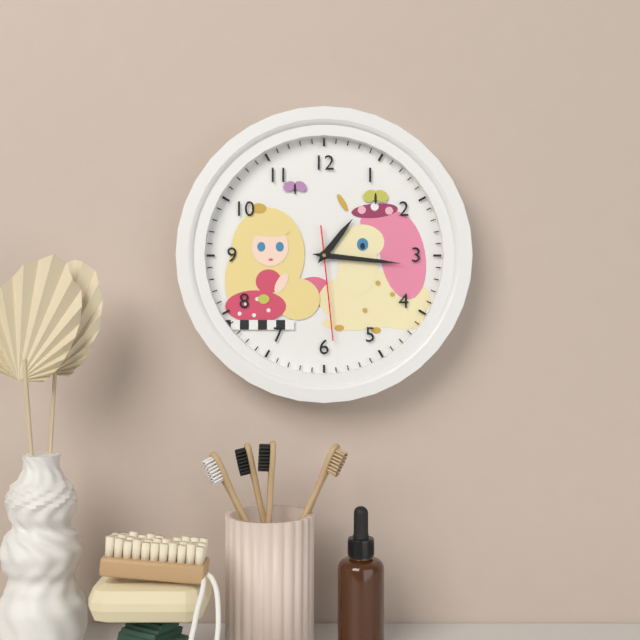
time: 1:16:29
